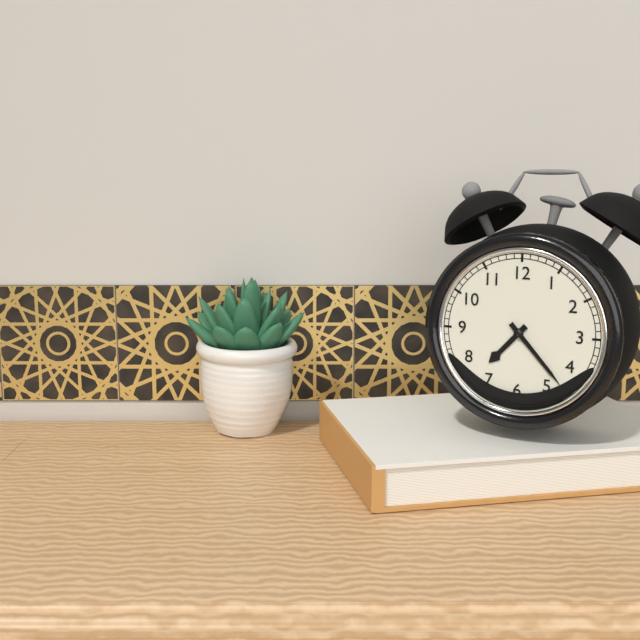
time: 7:23
